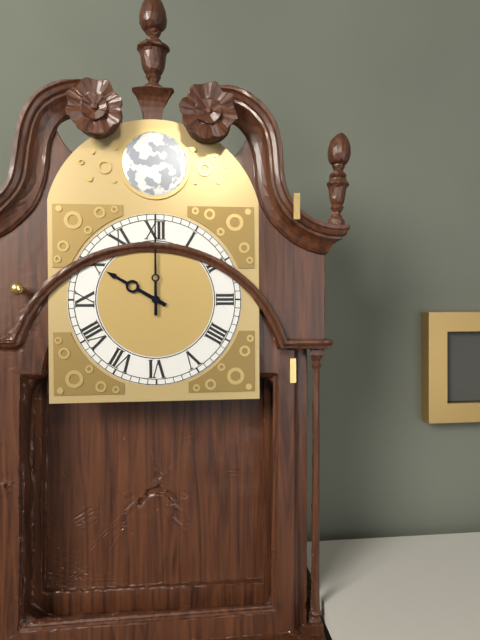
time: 10:00
